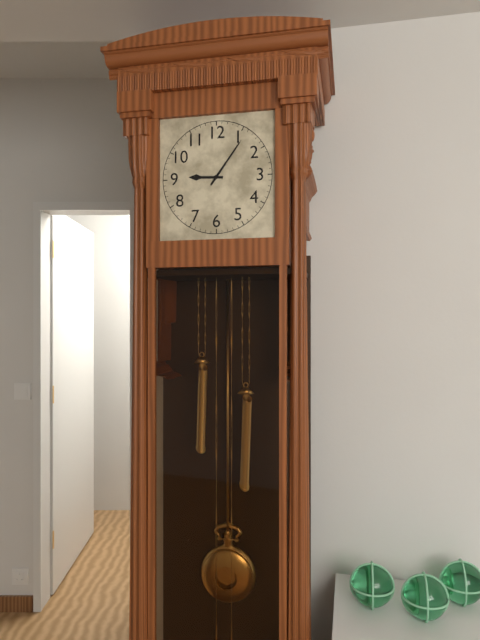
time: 9:06
